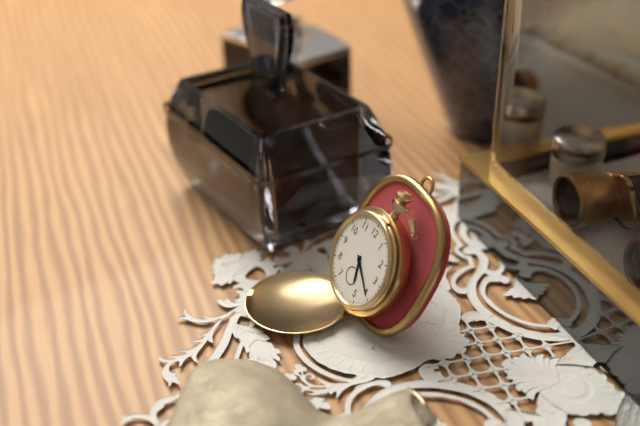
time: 5:20
